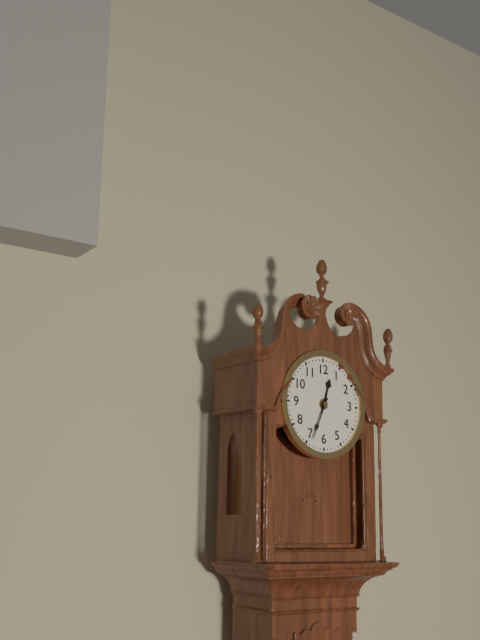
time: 12:34
